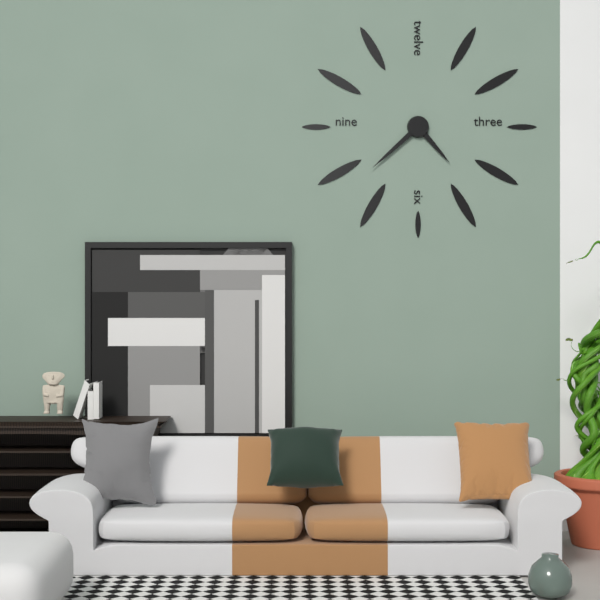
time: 4:38
